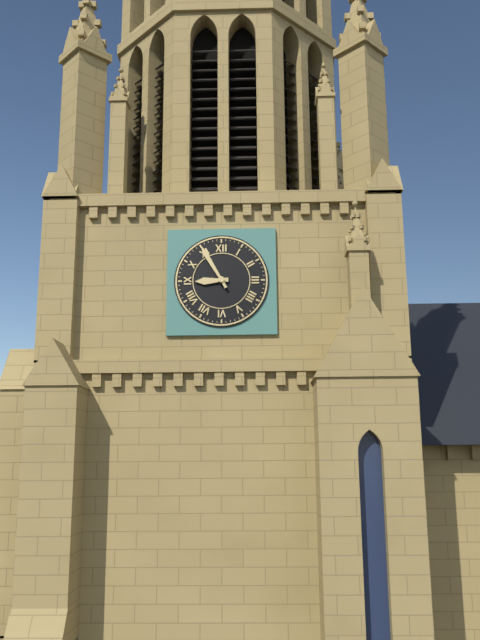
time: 8:55
